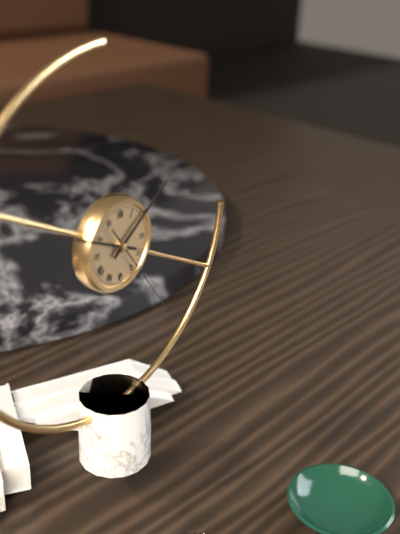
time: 1:49:24
